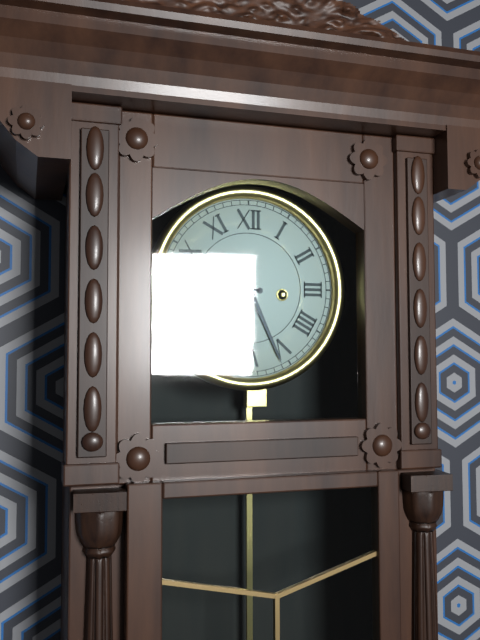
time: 9:26
